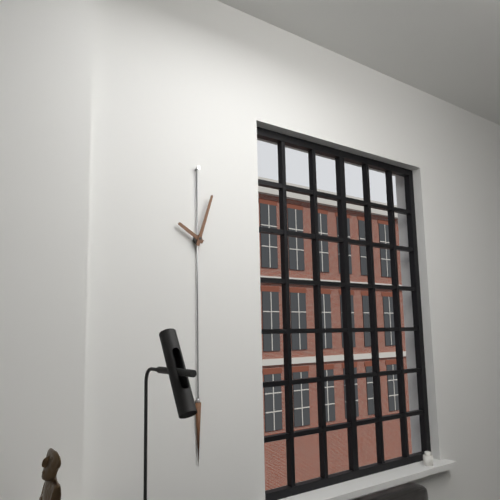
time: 10:03
